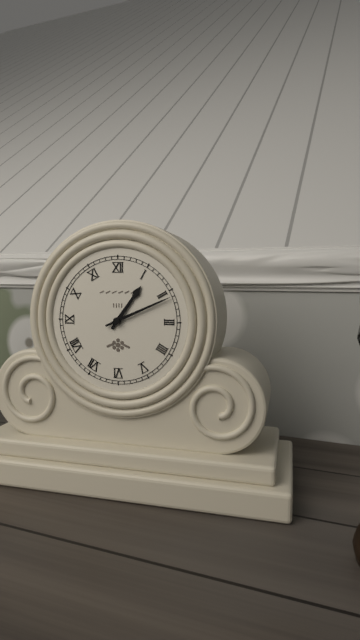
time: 1:11
